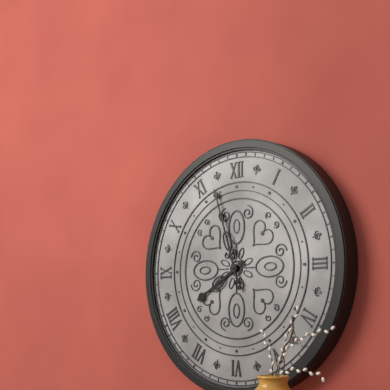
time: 7:57
